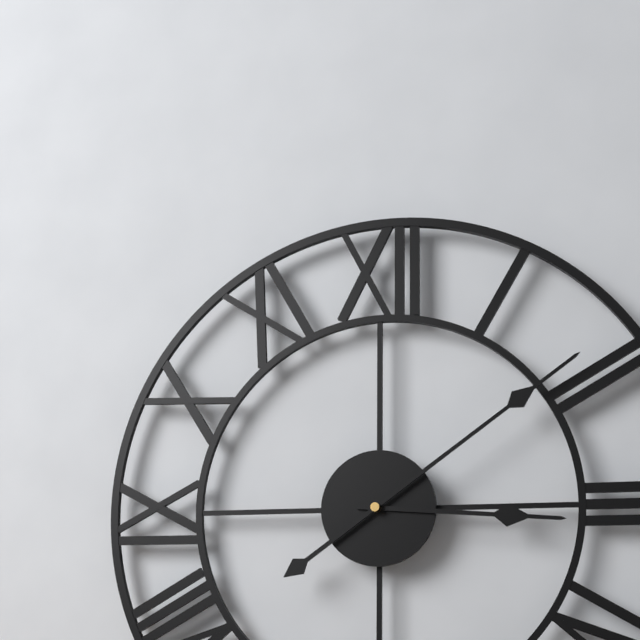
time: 3:09
